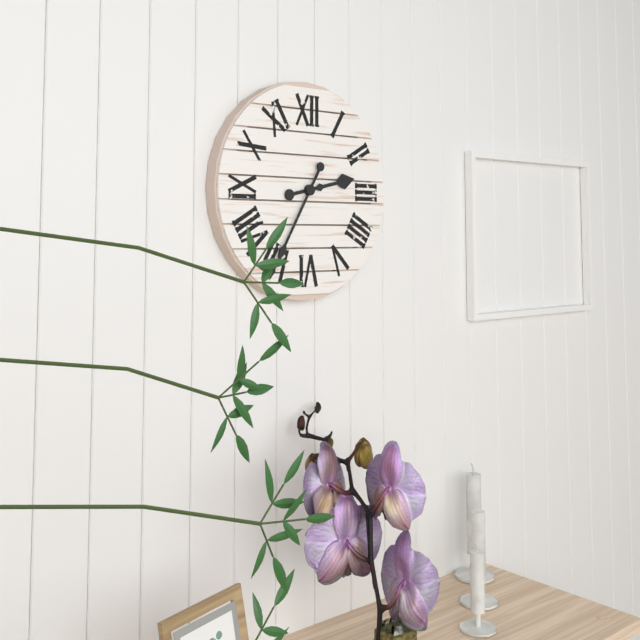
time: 2:35
